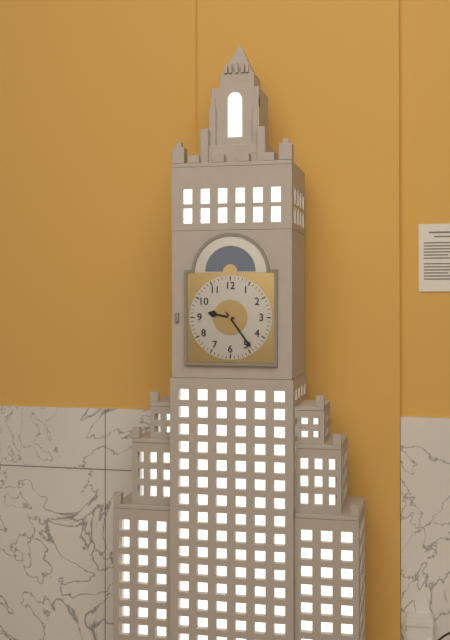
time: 9:24
